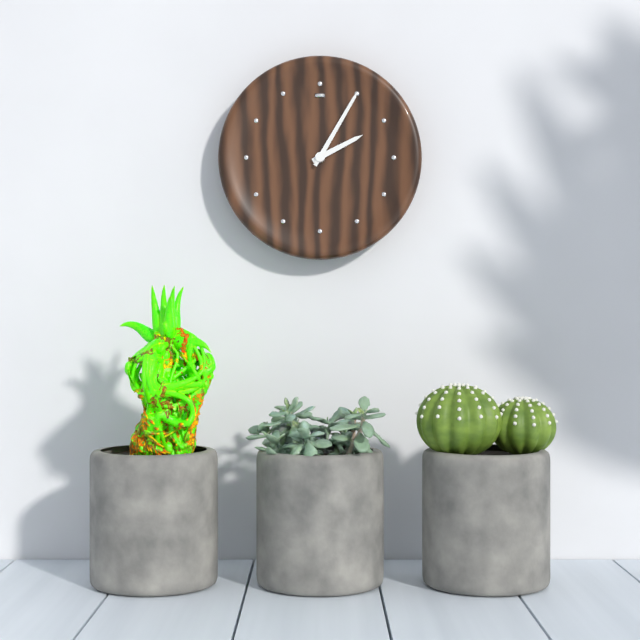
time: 2:05
